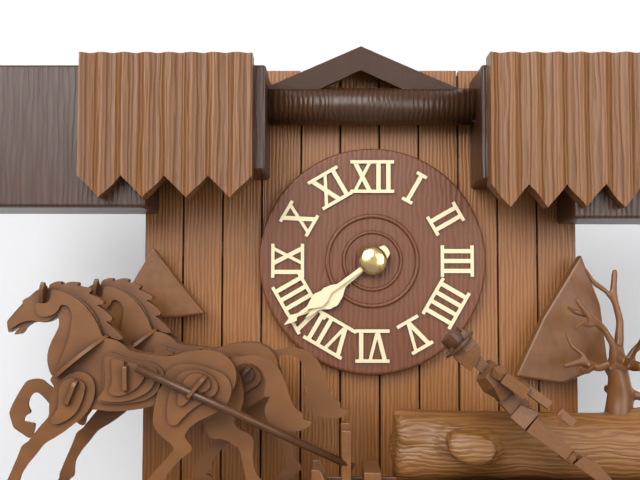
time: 7:39
